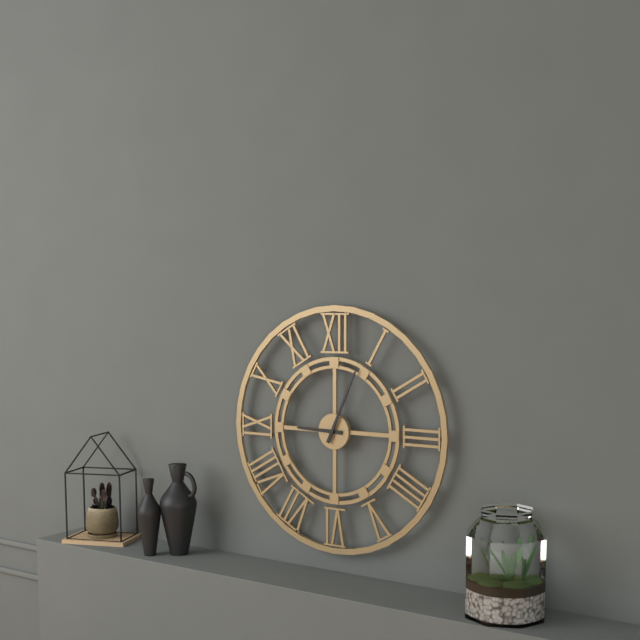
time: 9:04
